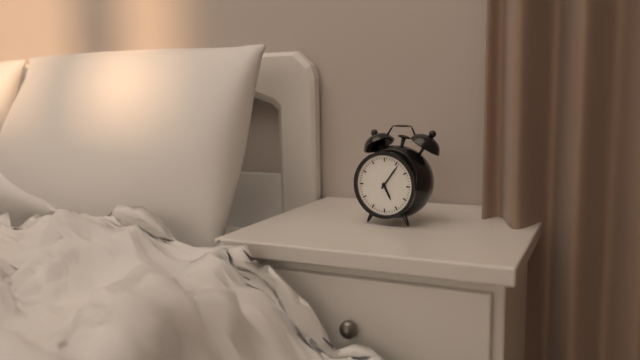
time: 5:06
